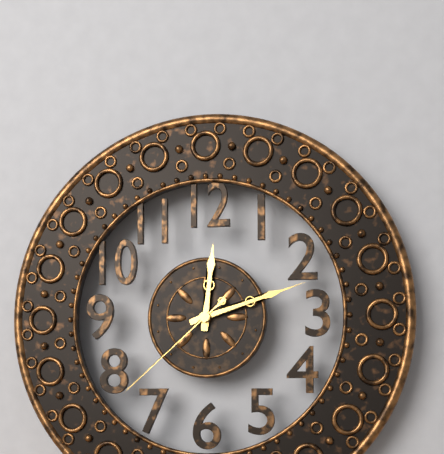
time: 12:12:38
